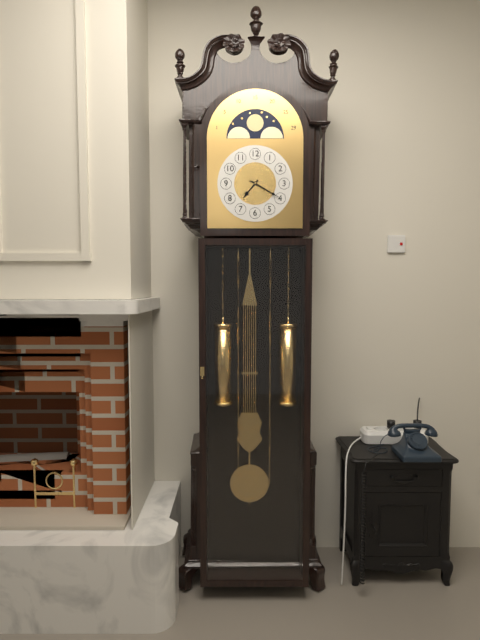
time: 7:20
